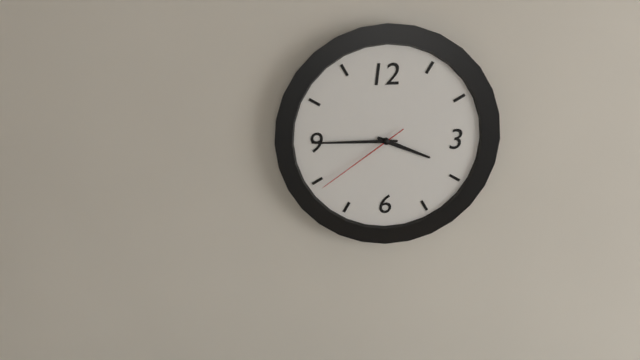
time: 3:45:39
